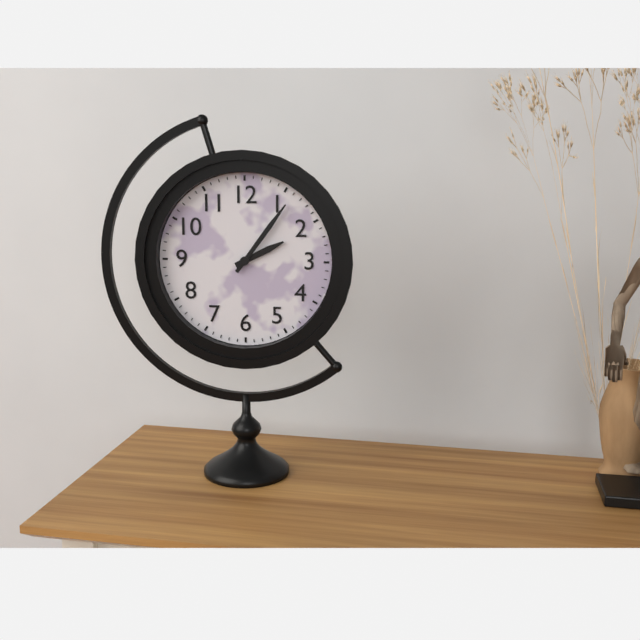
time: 2:06
